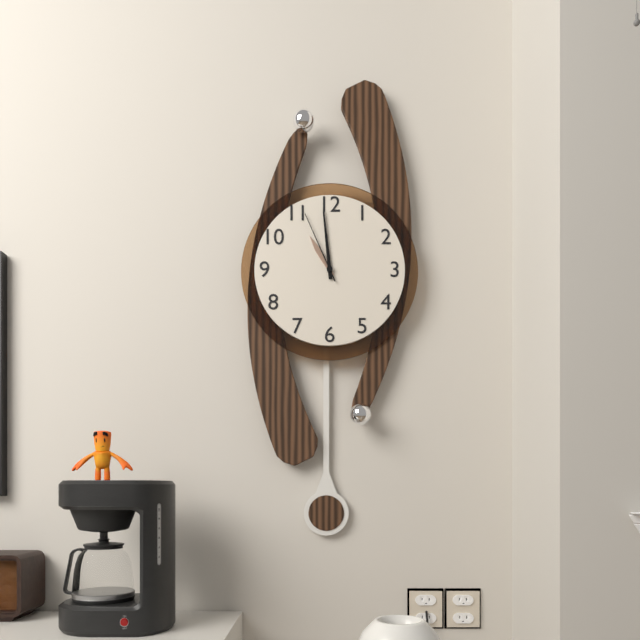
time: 10:59:56
